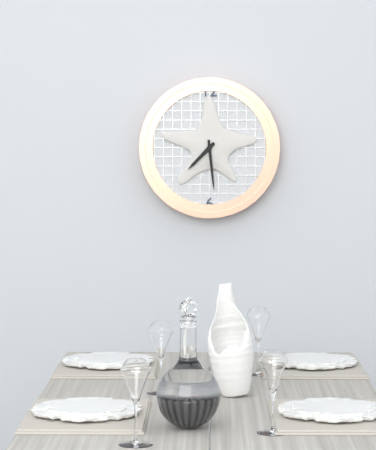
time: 7:29
